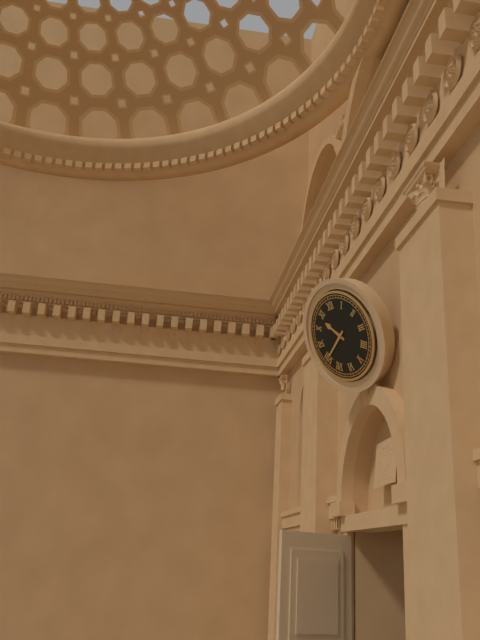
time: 10:40
